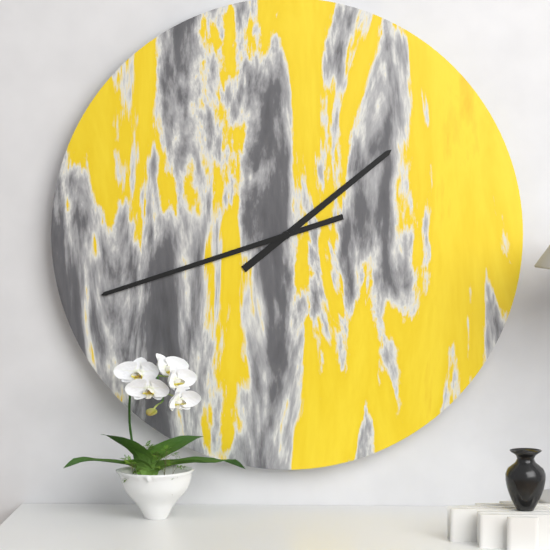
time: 1:42
